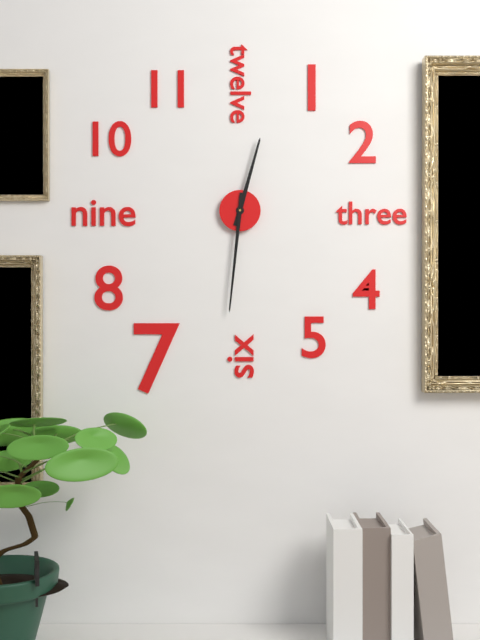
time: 12:31
